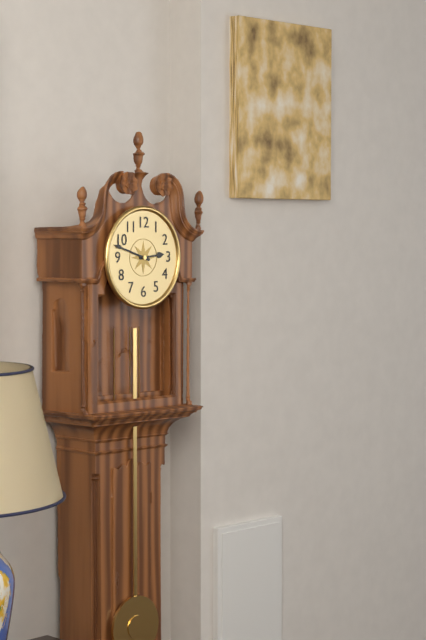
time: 2:48
